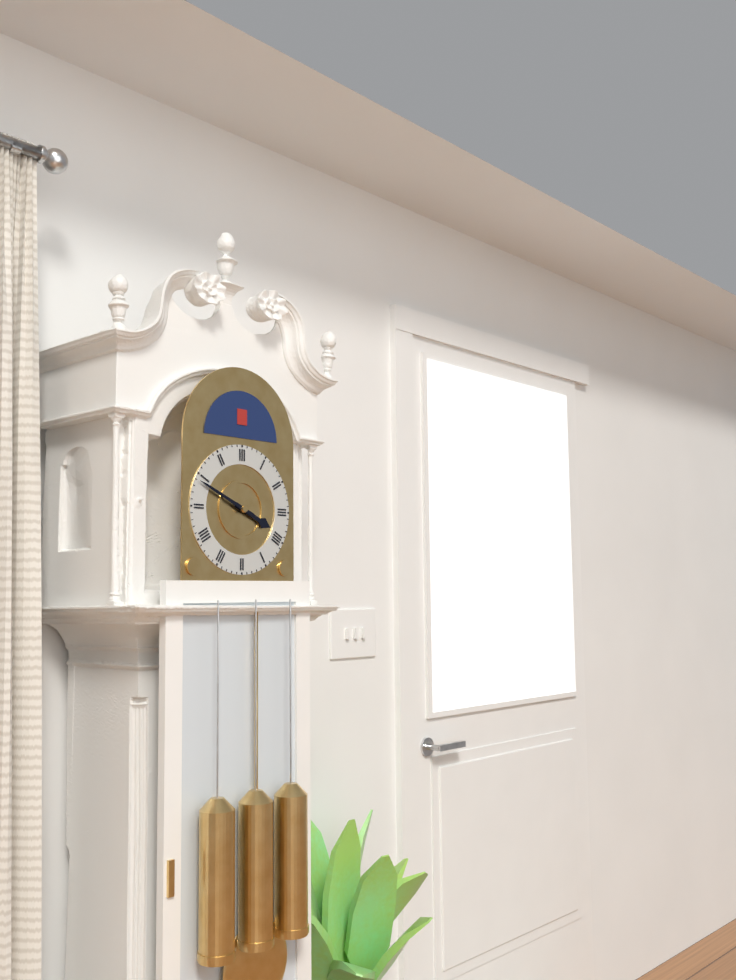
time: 3:49
